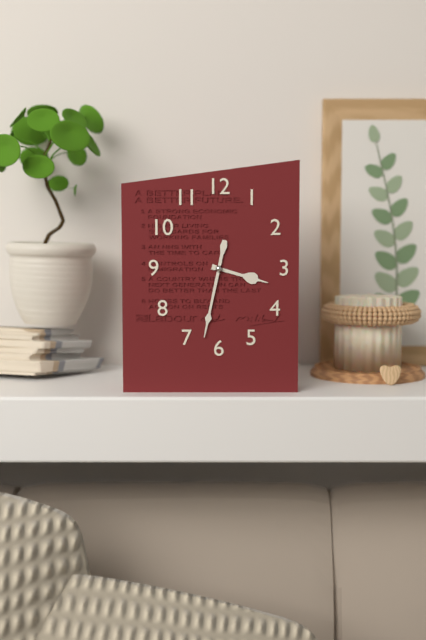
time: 3:32
